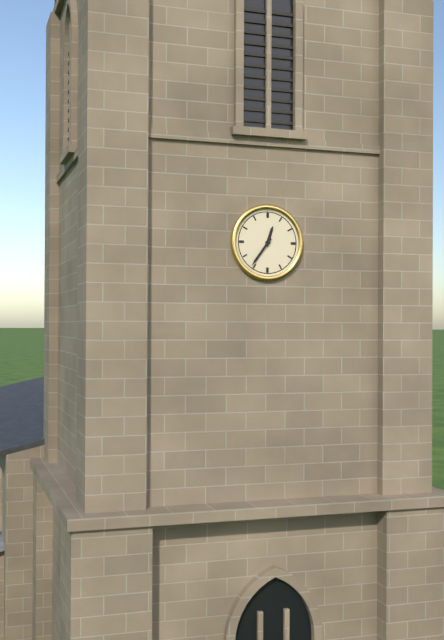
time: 12:36
